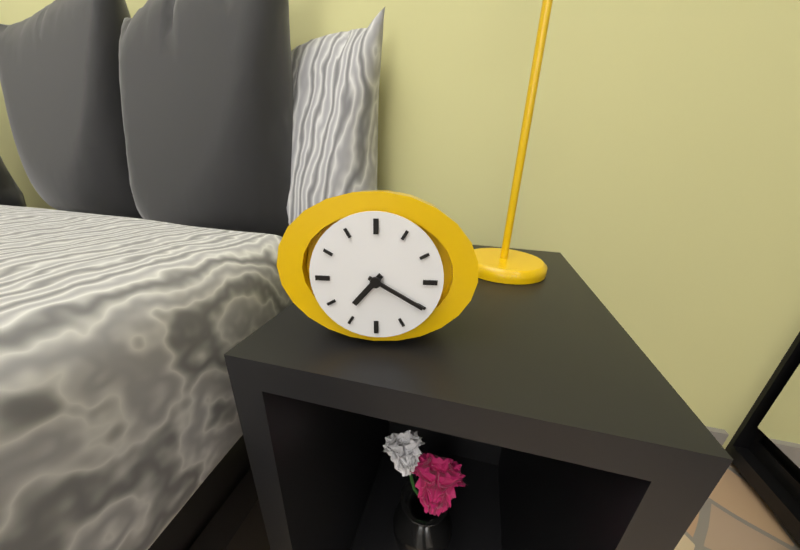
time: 7:20
